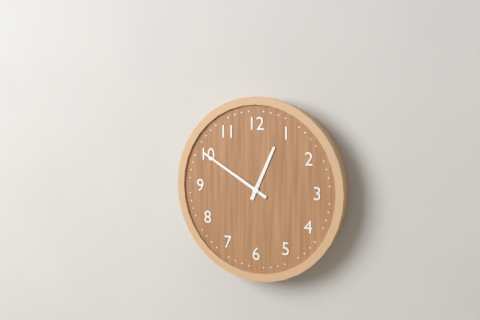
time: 12:50
